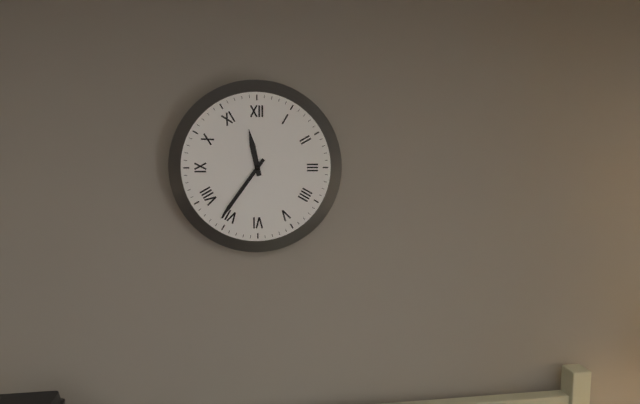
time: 11:36
